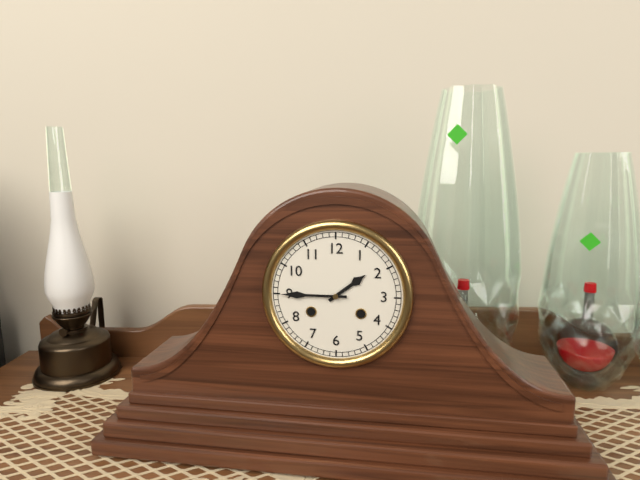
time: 1:45
